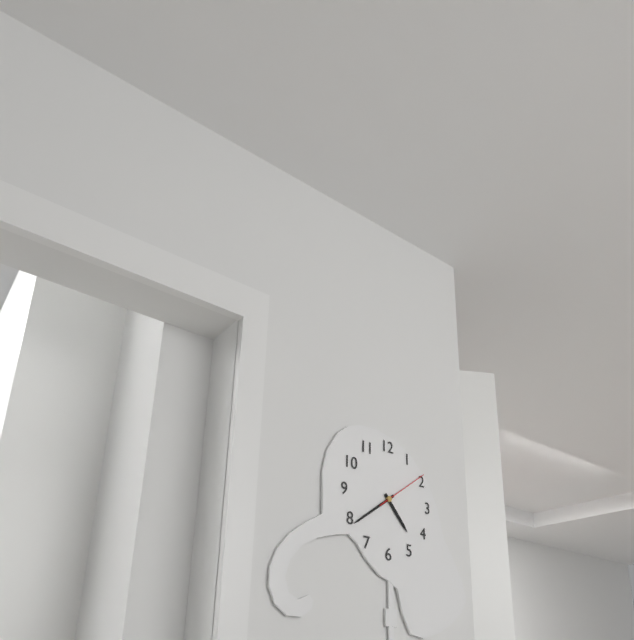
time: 4:39:09
